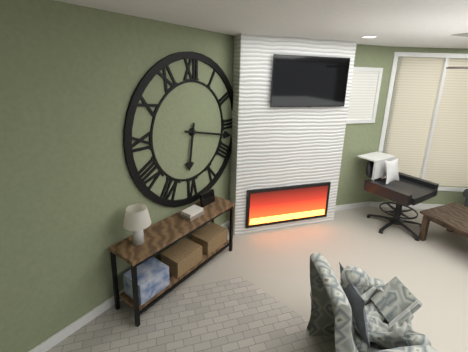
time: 6:17
